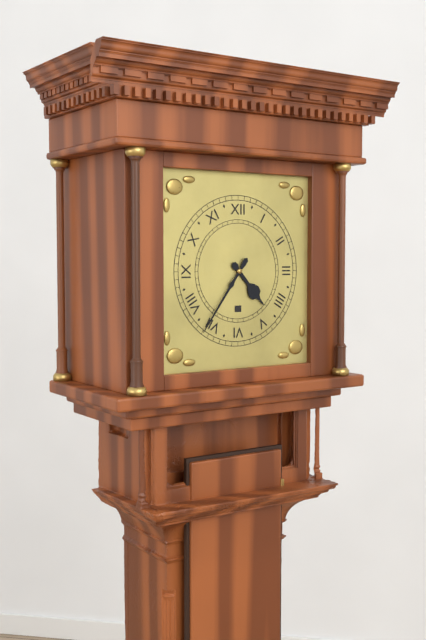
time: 4:36
